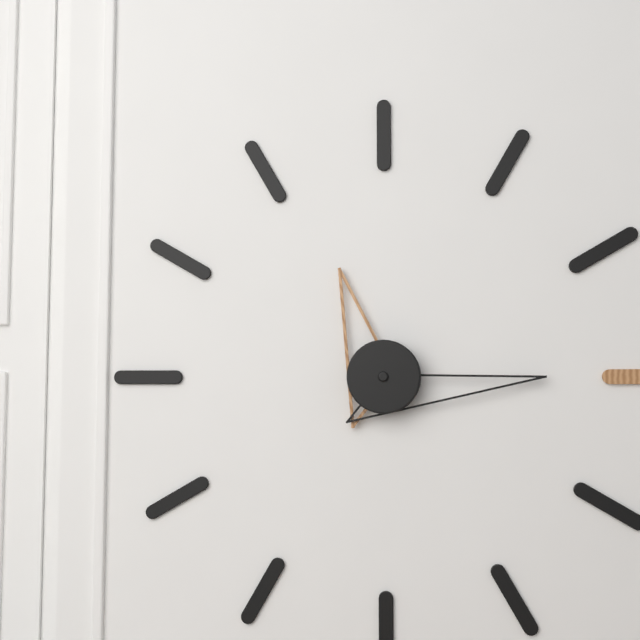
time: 11:15
